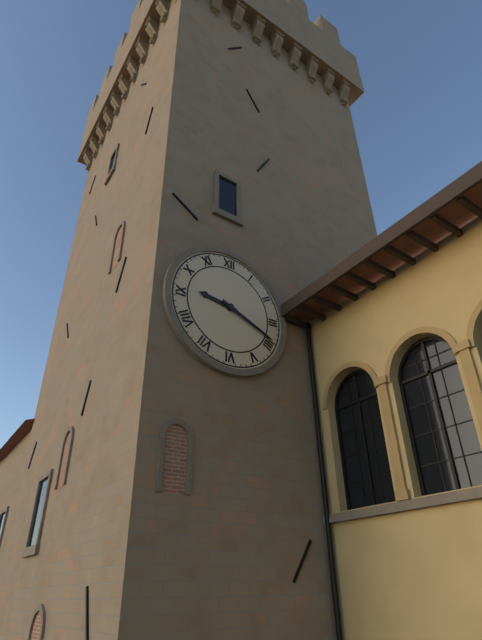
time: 9:19
